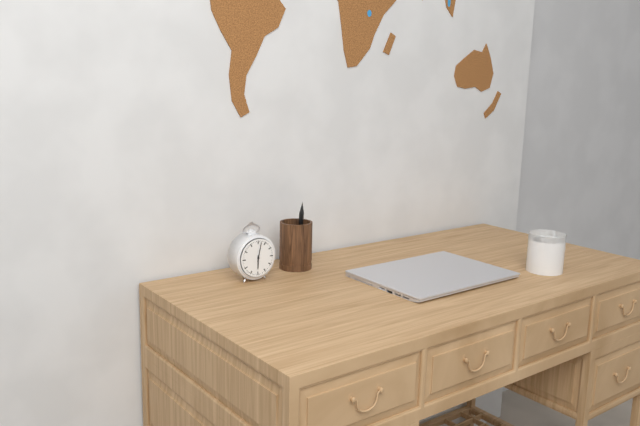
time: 6:02
